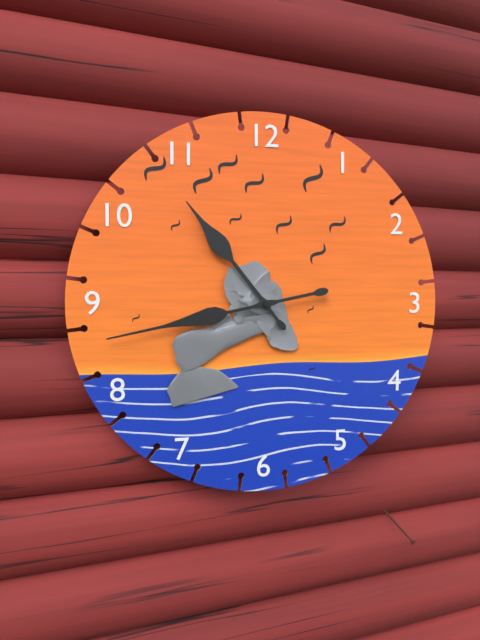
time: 10:43
